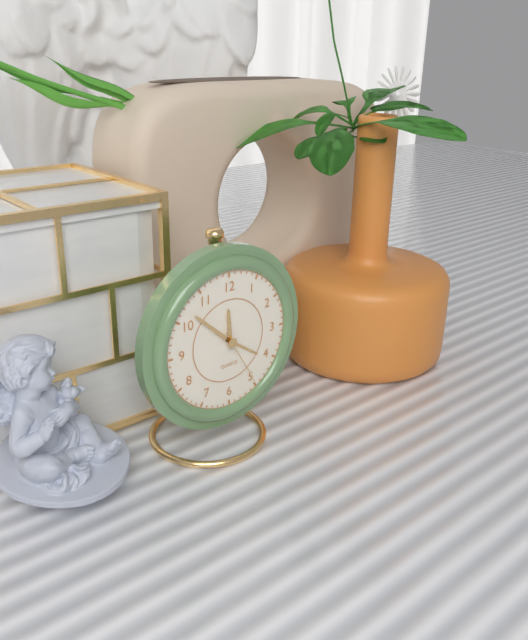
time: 11:52:25
